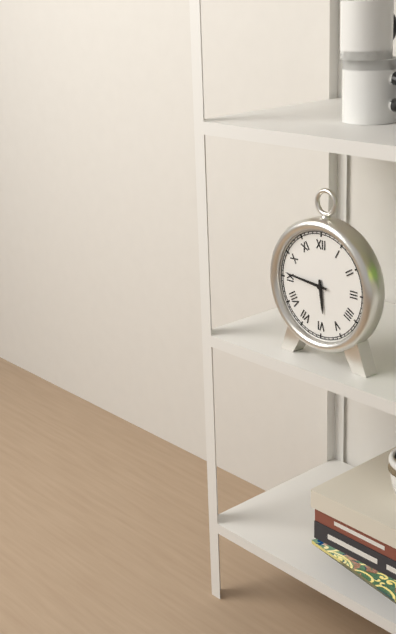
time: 5:46
